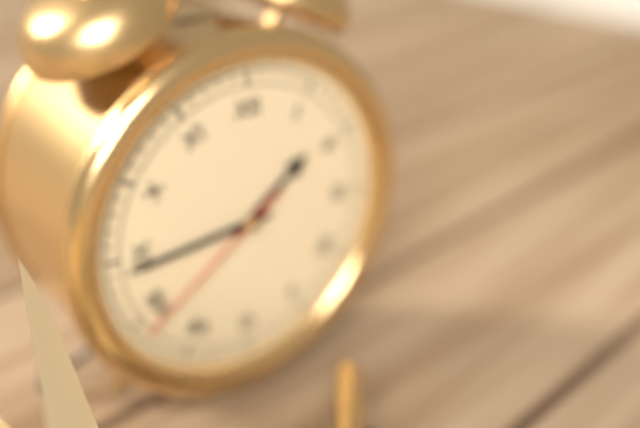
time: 1:44:39
